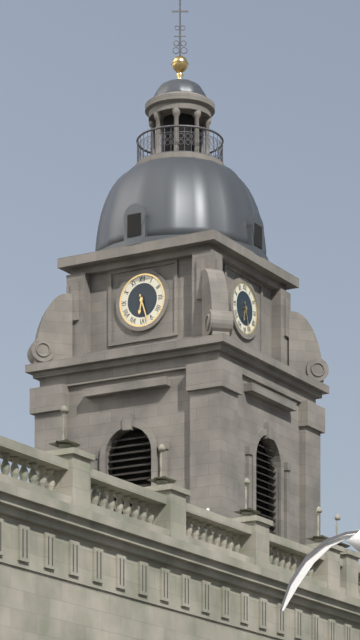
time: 6:27
